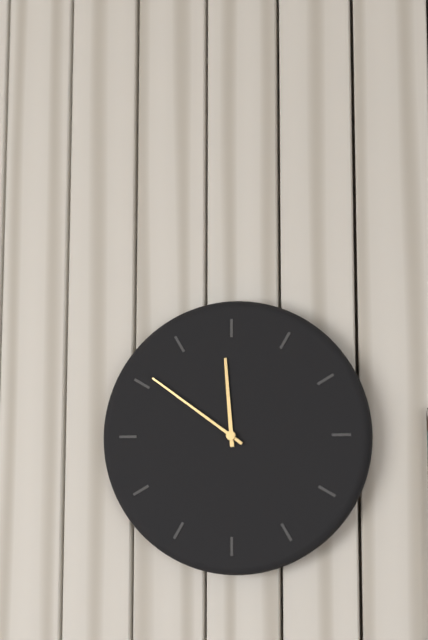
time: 11:51
